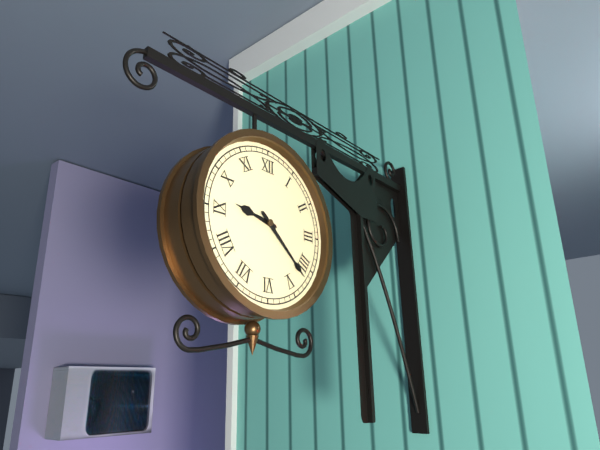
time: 9:22
